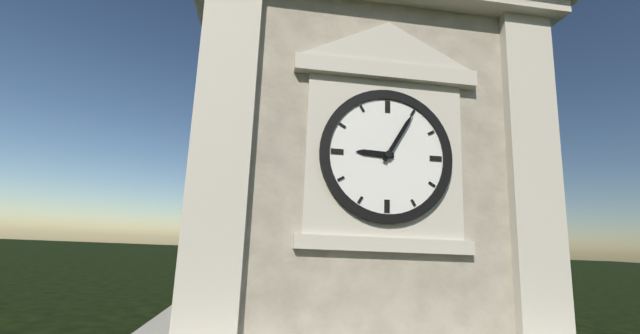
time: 9:05
